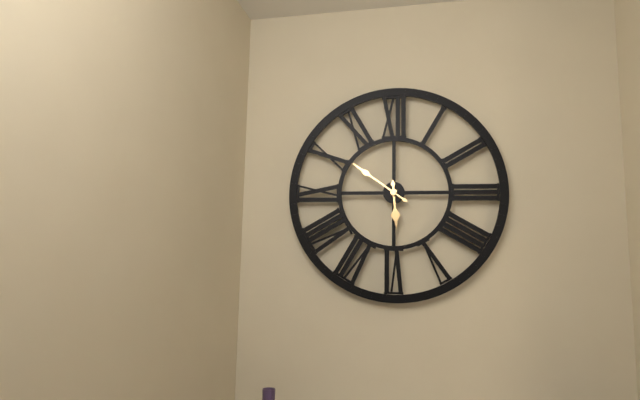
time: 5:51
